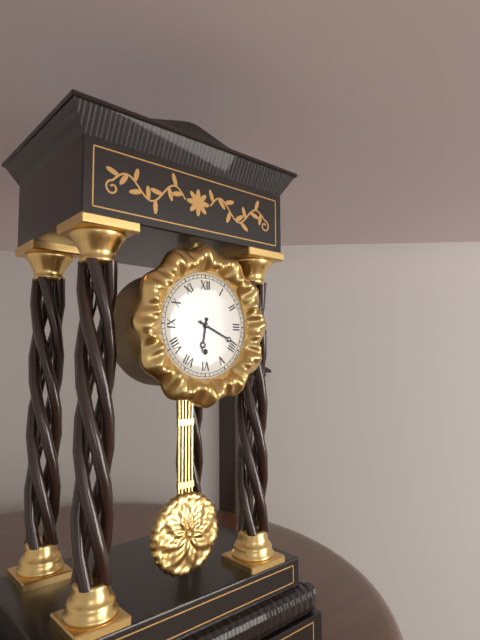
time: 6:19
